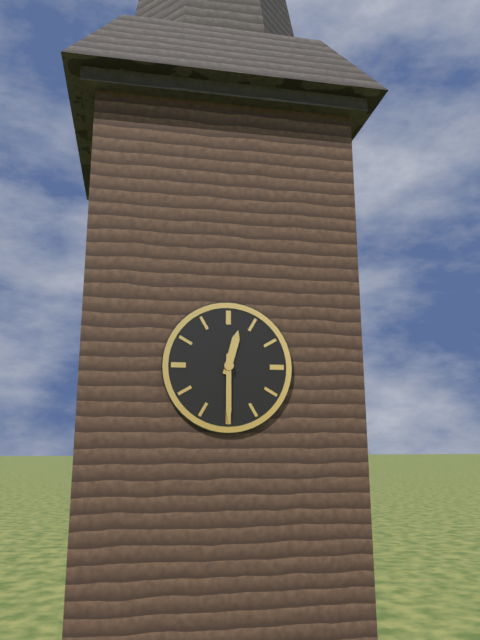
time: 12:30
